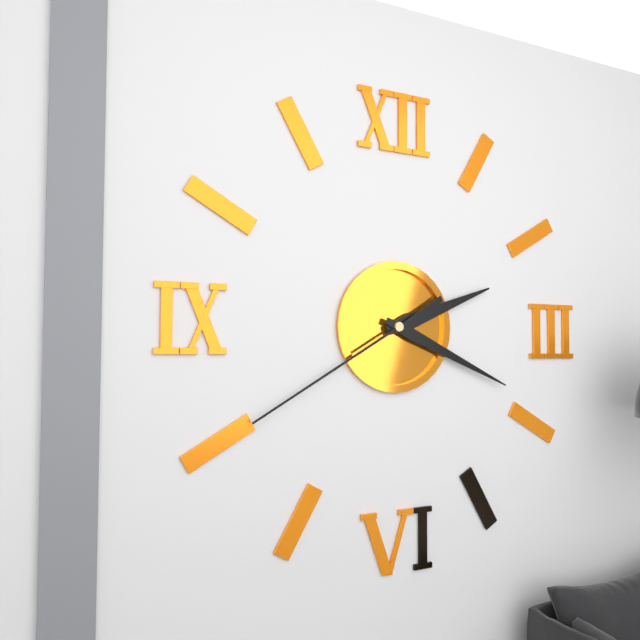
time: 2:19:40
